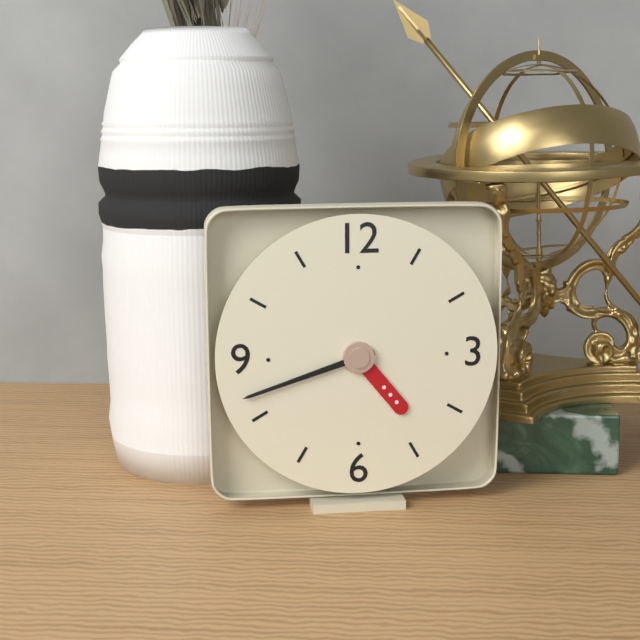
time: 4:42
